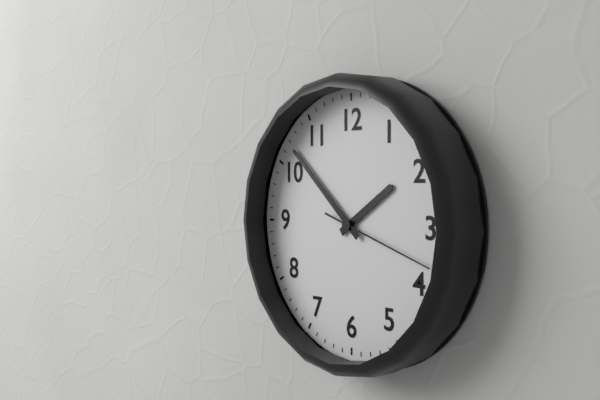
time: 1:52:18
